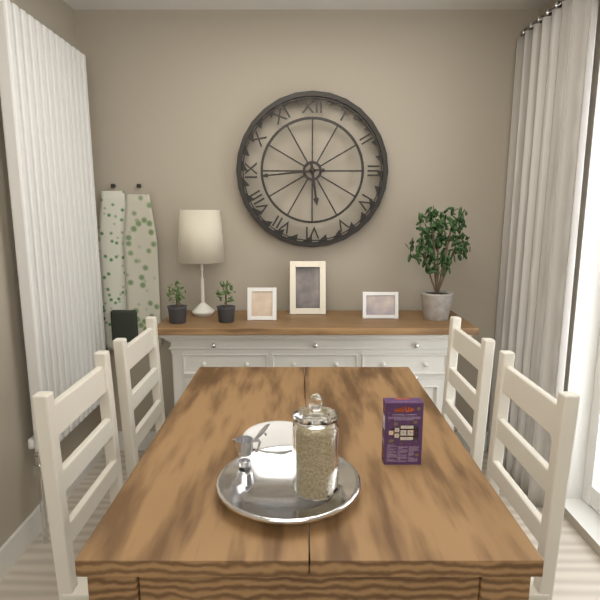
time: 5:44
